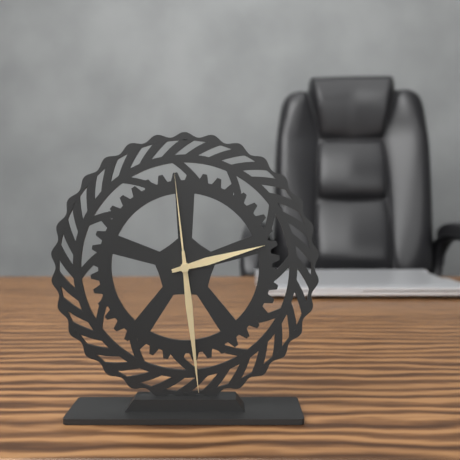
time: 2:29:59
